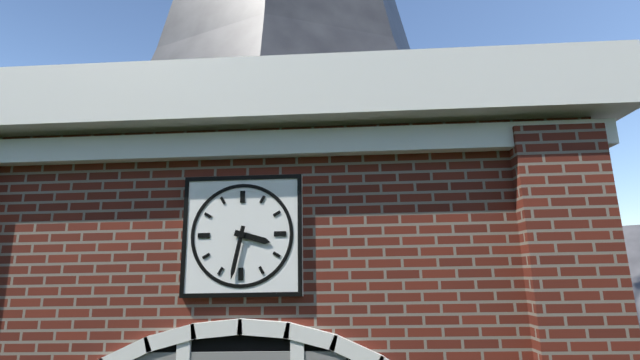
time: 3:32
